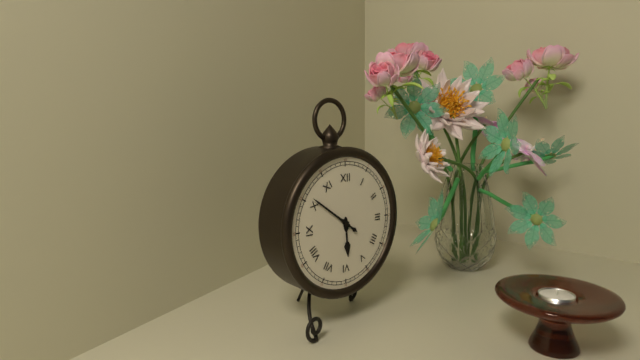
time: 5:51
